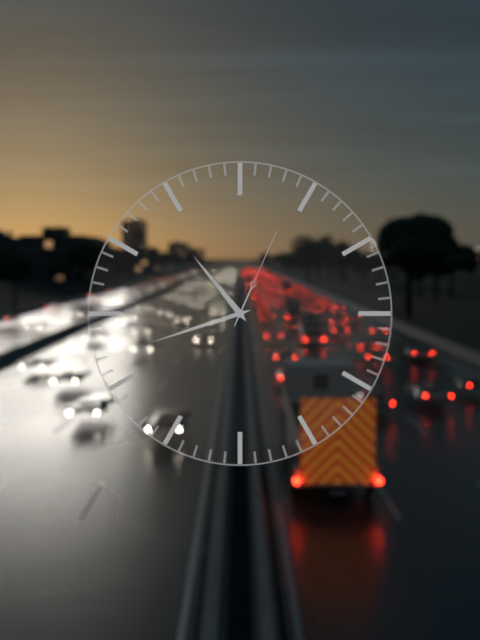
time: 10:42:04
